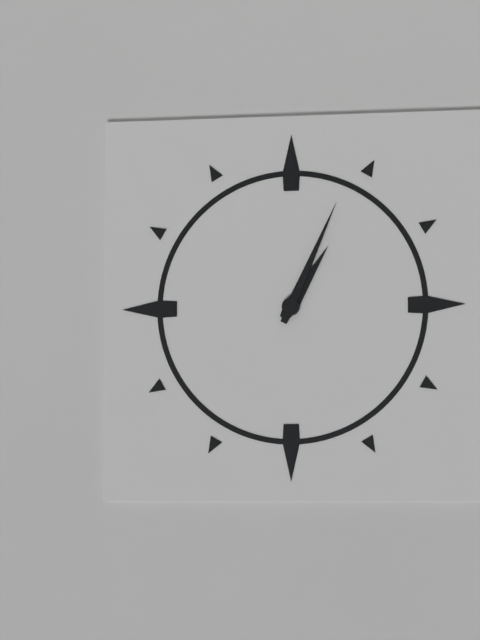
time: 1:04
